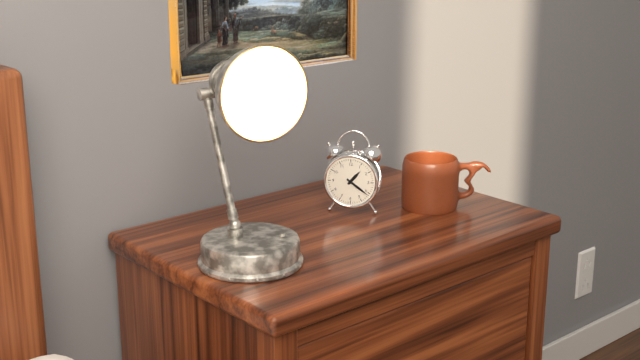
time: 1:21
